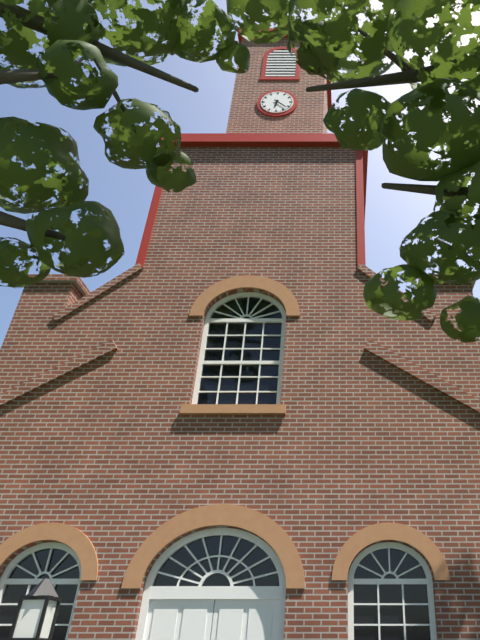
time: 6:22
